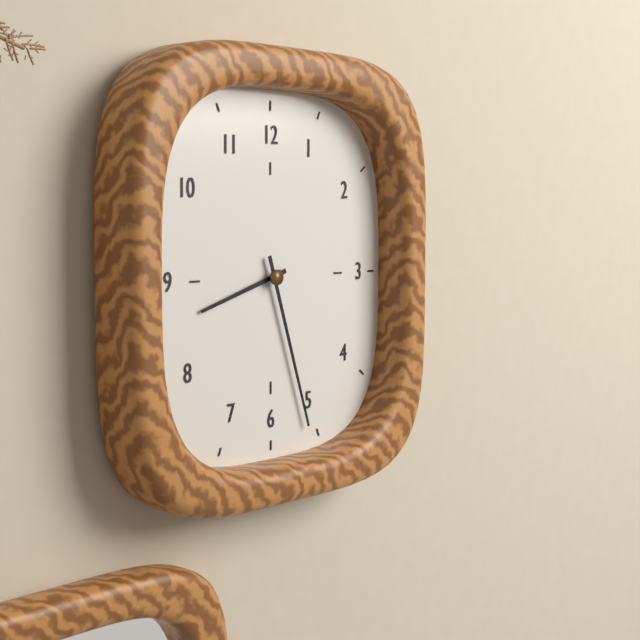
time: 8:27
